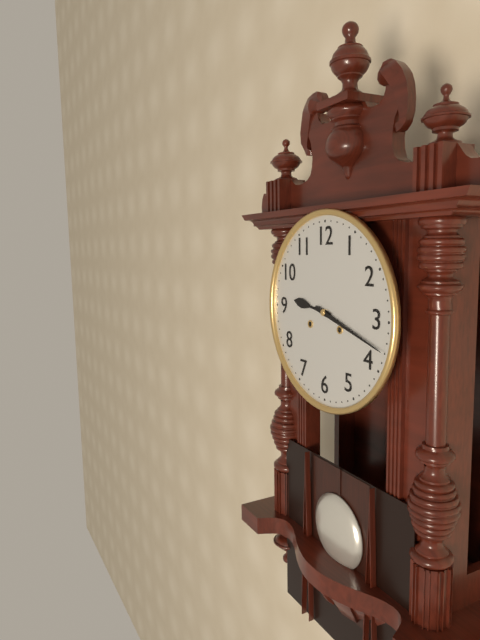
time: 9:18
